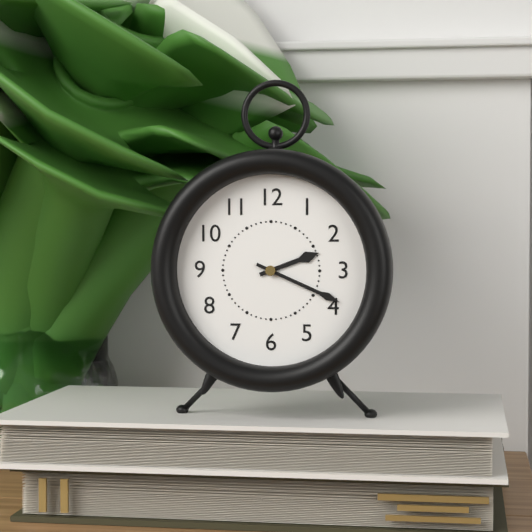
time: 2:19
